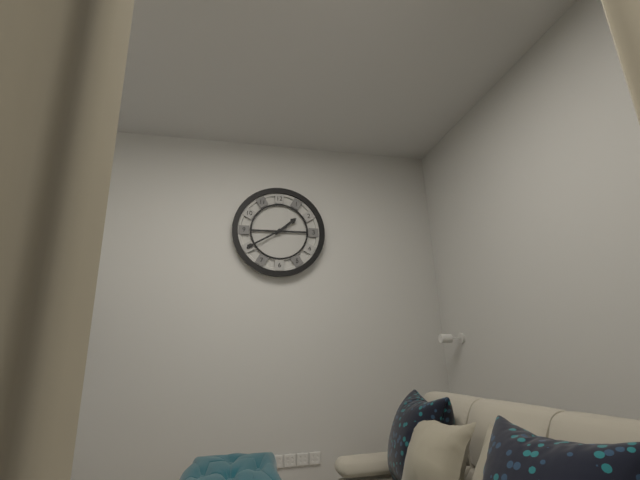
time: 1:40
